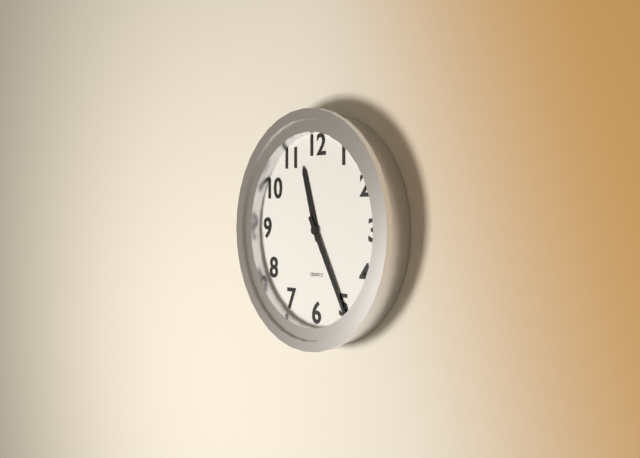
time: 11:25
